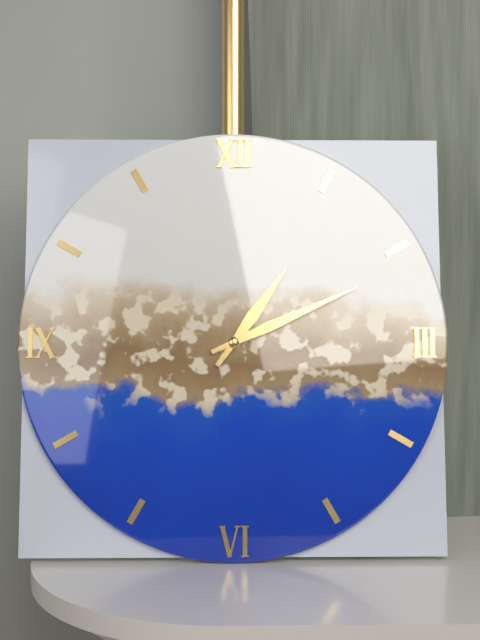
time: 1:11
